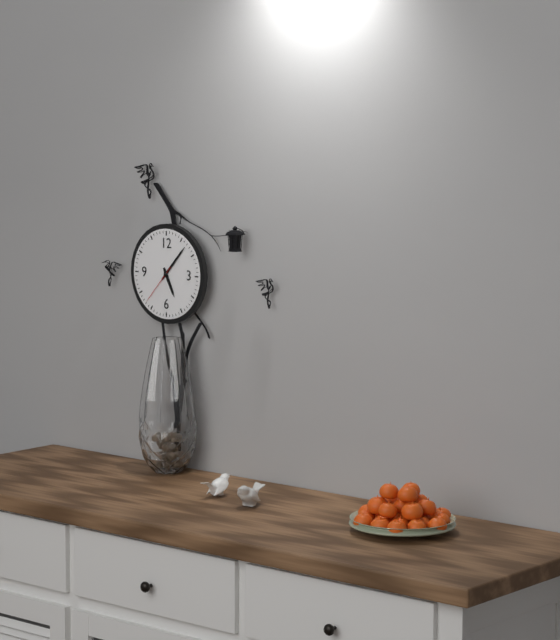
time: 5:07
